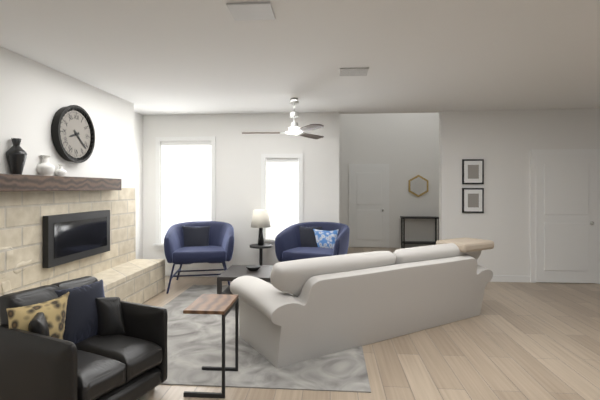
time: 8:22
